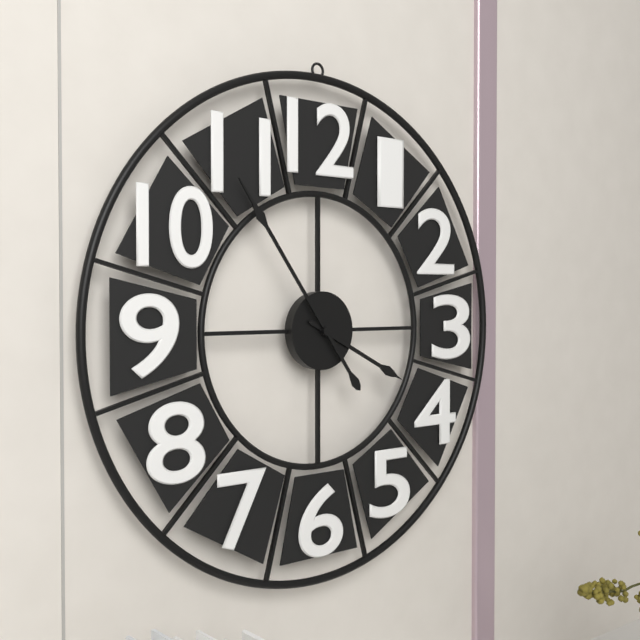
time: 3:54
